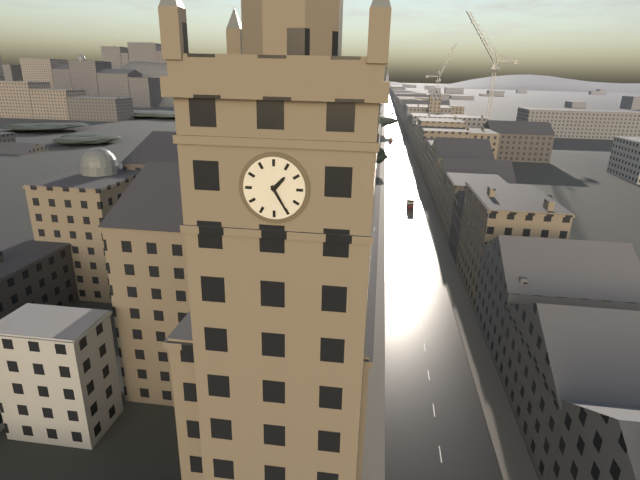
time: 1:25
